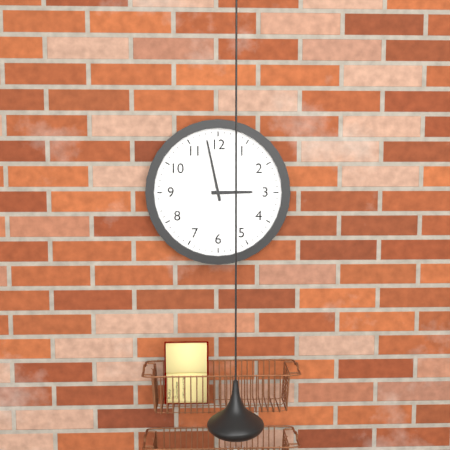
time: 2:58
